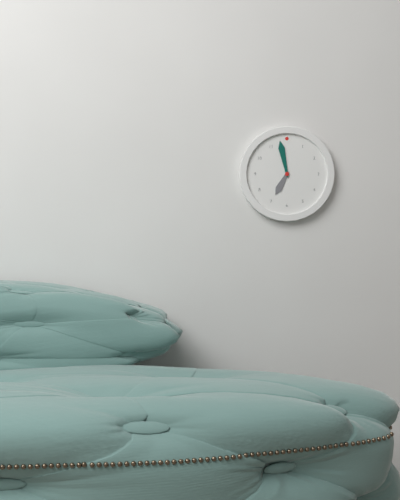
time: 6:58
